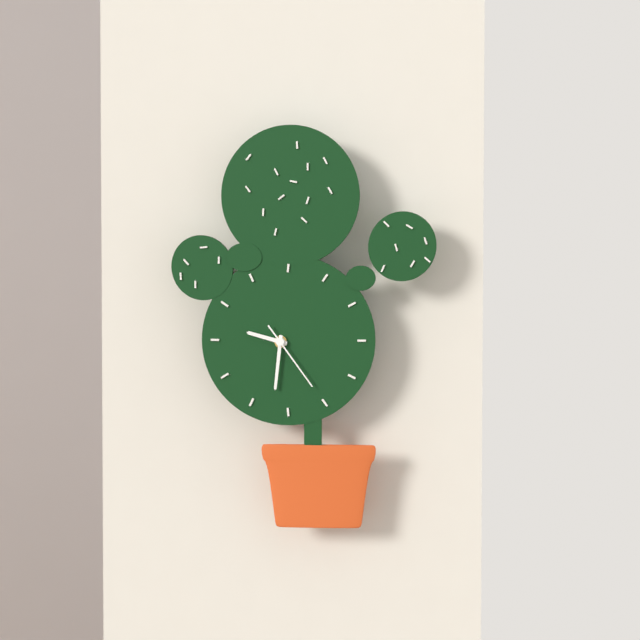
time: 9:31:24
